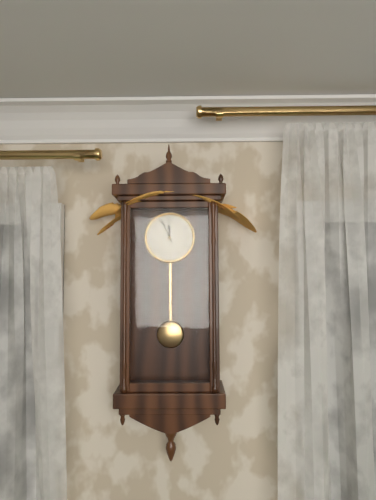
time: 11:56
